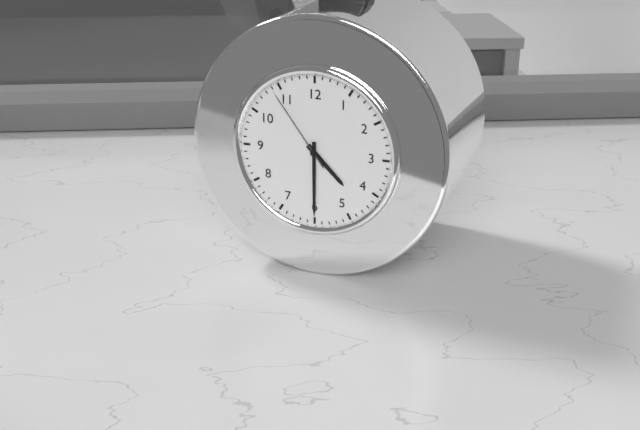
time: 4:30:54
